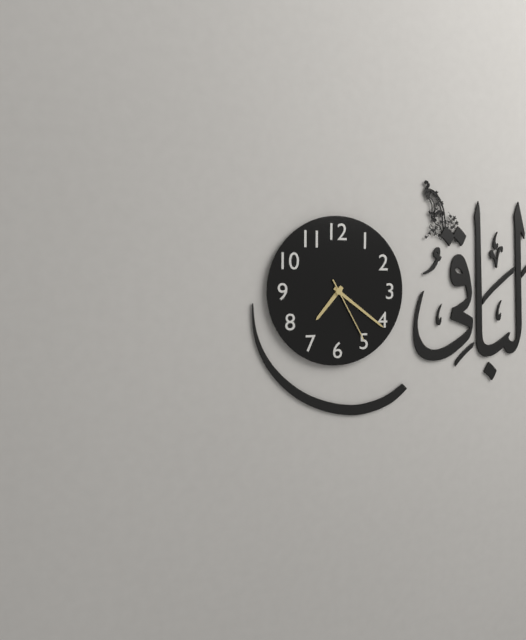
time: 7:21:25
